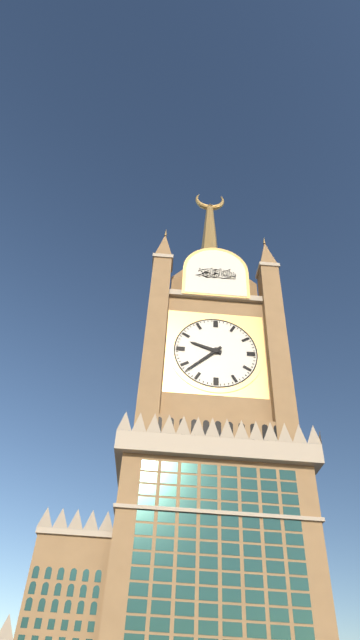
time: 9:38
